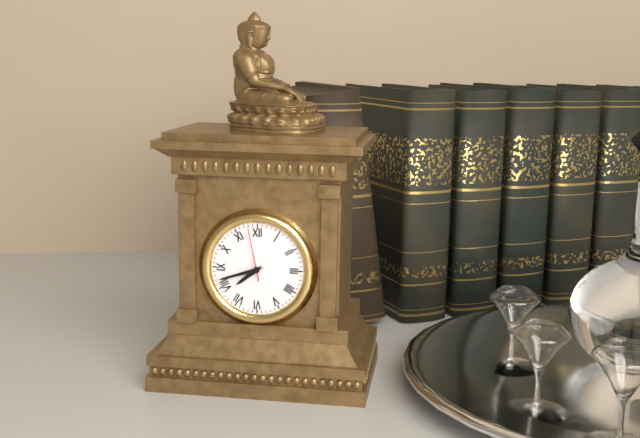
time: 7:42:58
